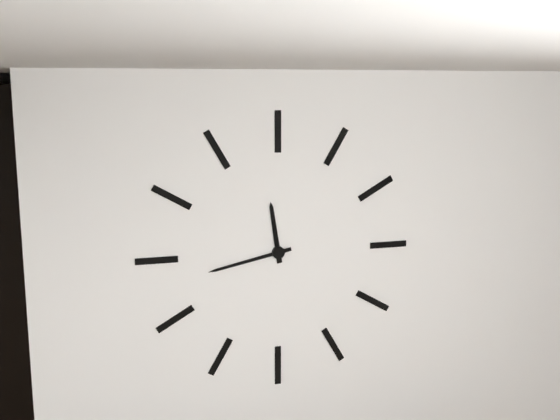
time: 11:43
